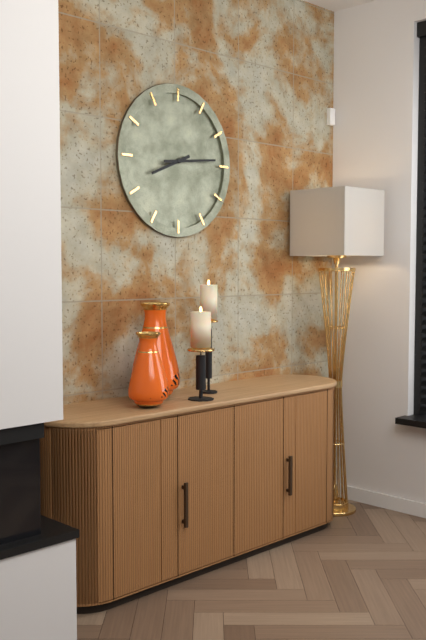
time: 8:14
